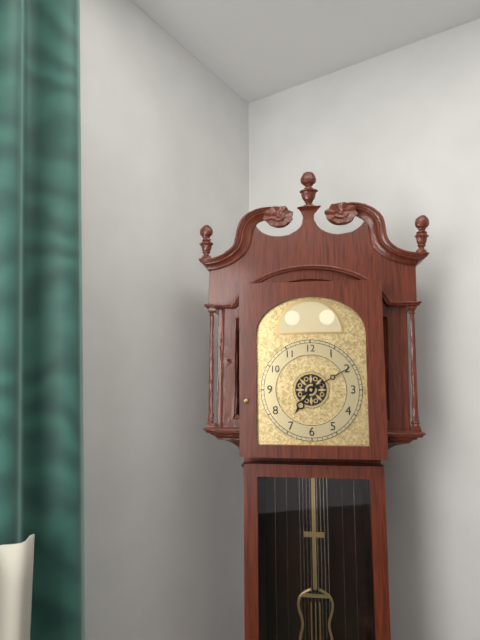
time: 7:10
